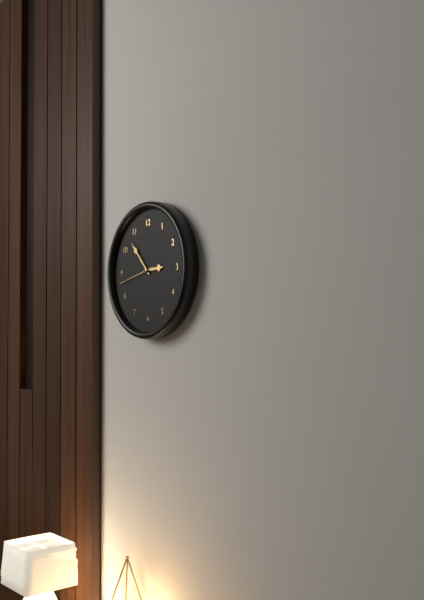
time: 2:53
